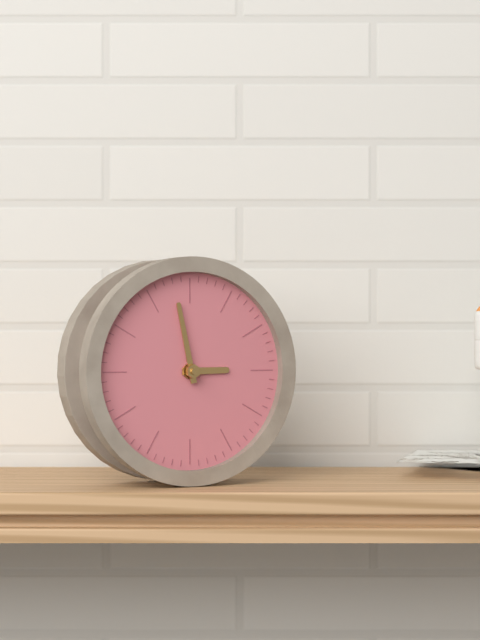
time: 2:58
